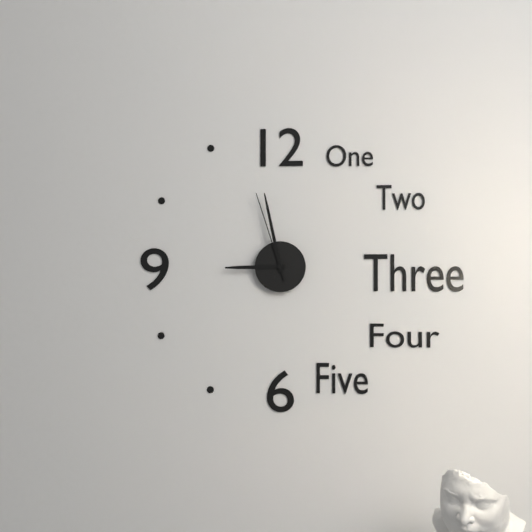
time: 8:58:57
